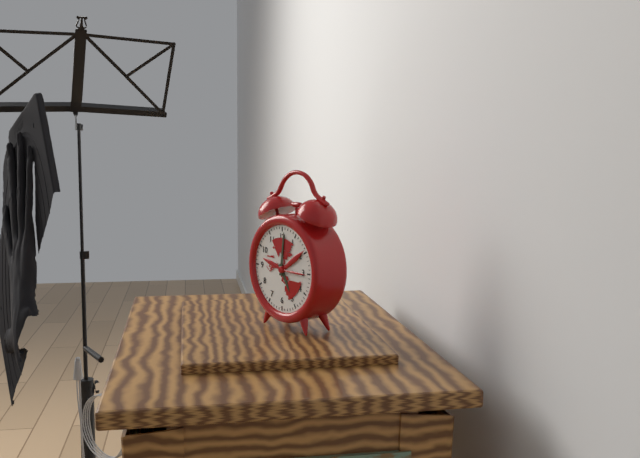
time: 5:01
